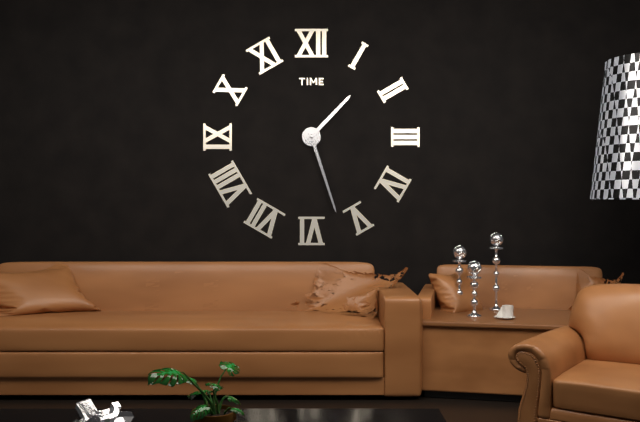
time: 1:27
